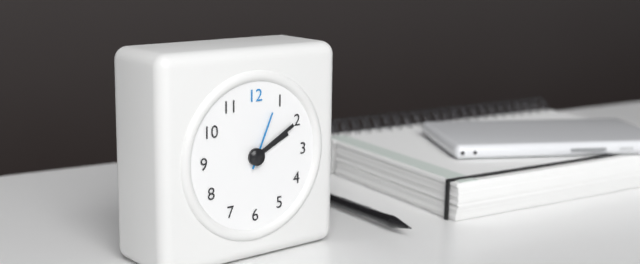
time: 2:10:04
